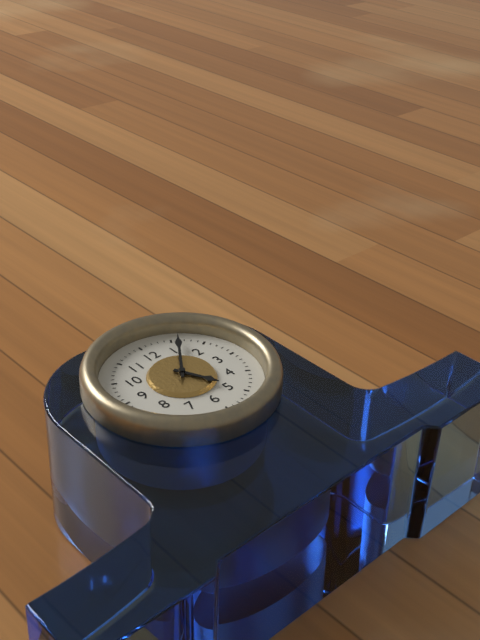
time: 5:06
